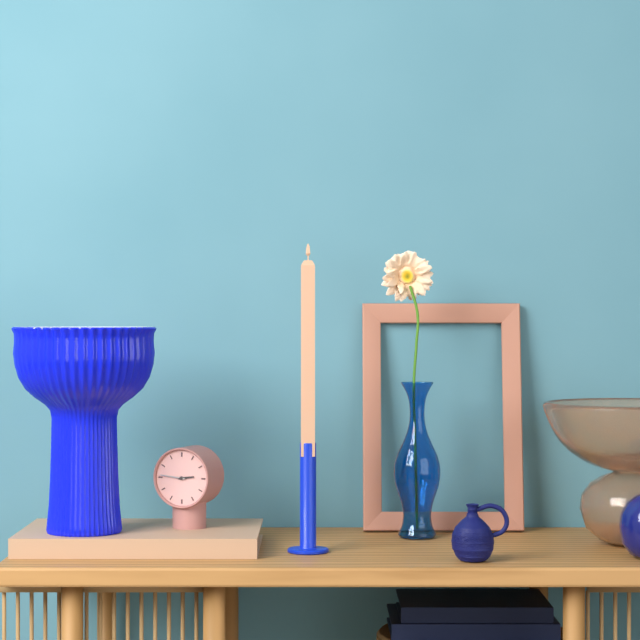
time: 2:46
